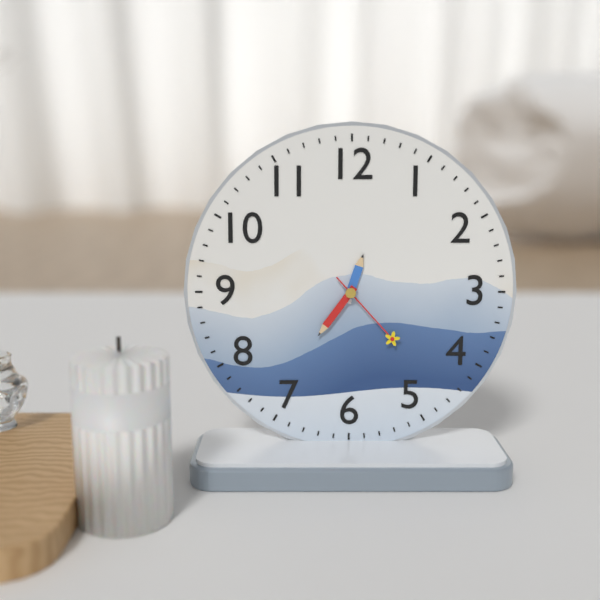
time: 12:36:23
